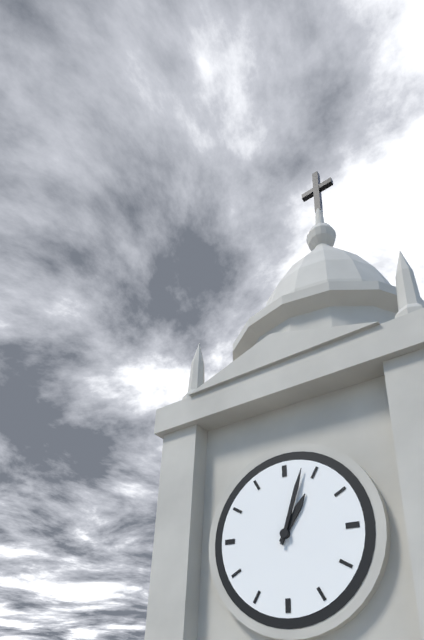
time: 1:03
